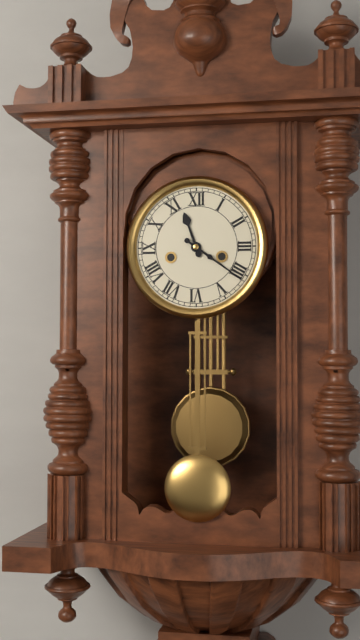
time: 11:21
